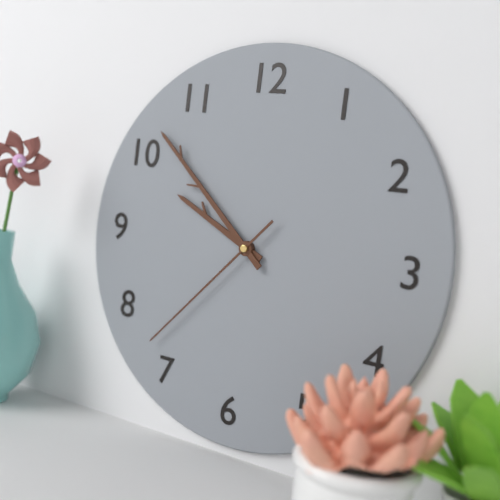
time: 9:52:37
